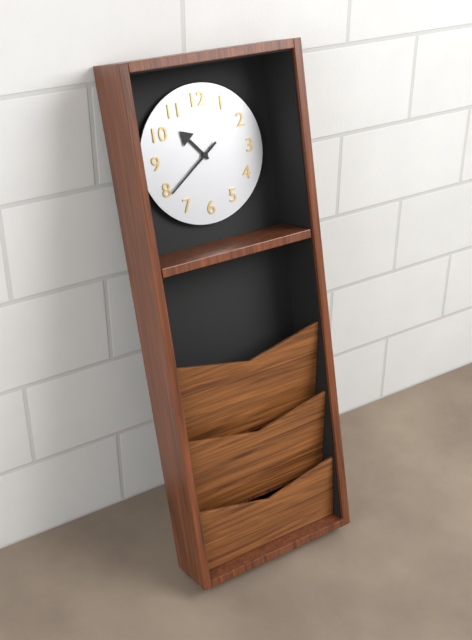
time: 10:39
